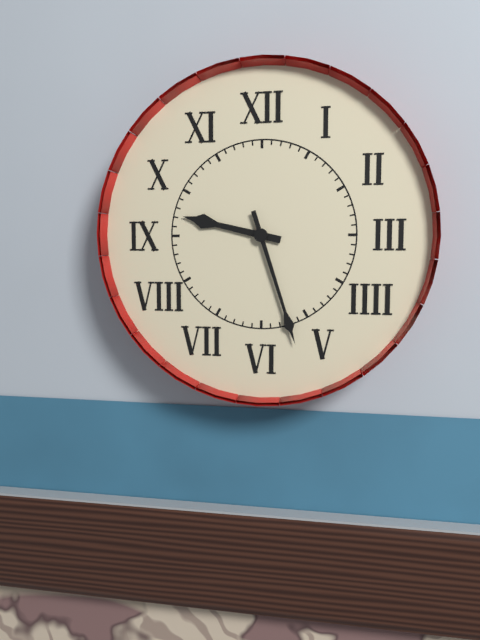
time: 9:27
